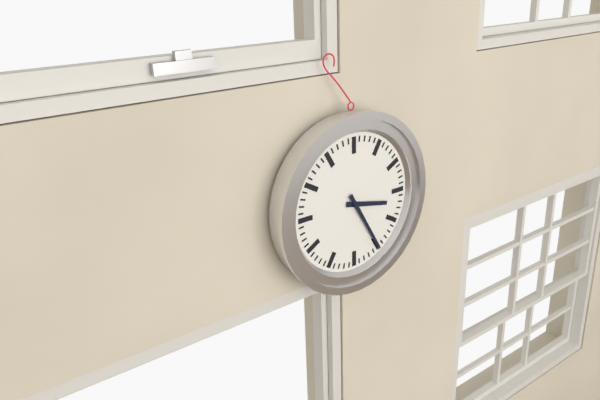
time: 3:25
